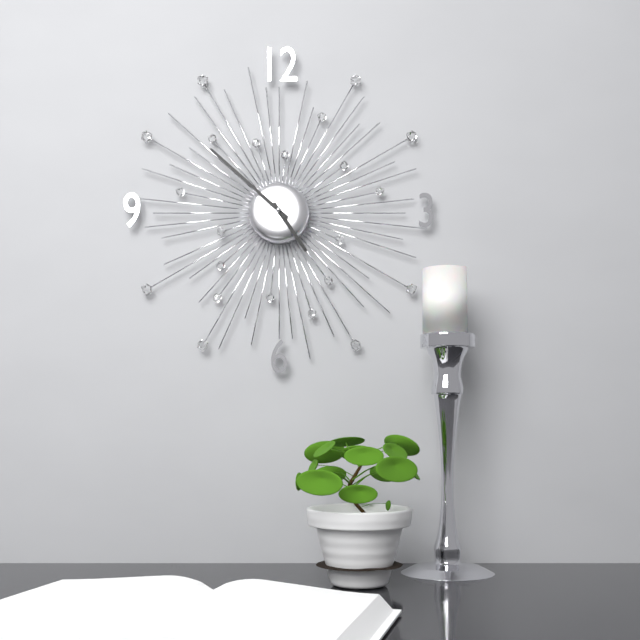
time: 4:52
